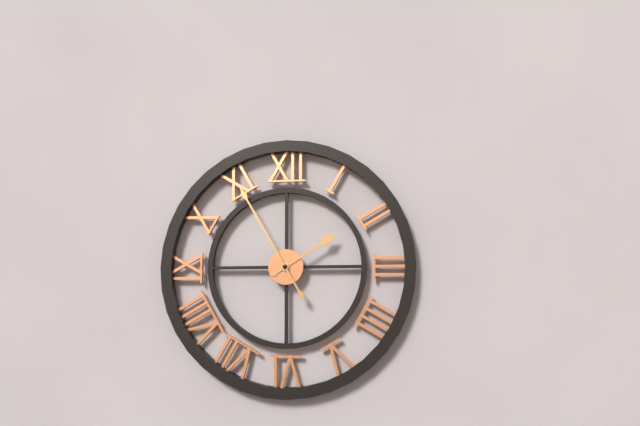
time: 1:55
